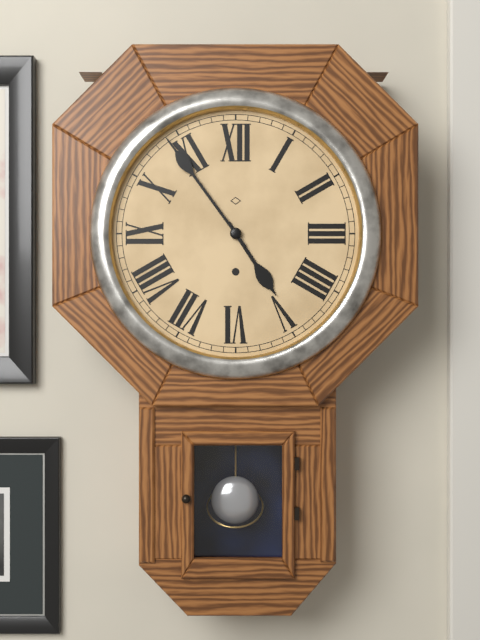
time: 4:54
